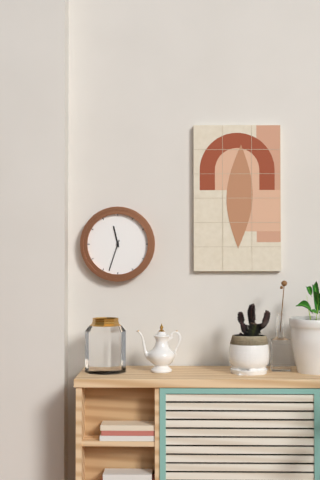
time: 11:33
